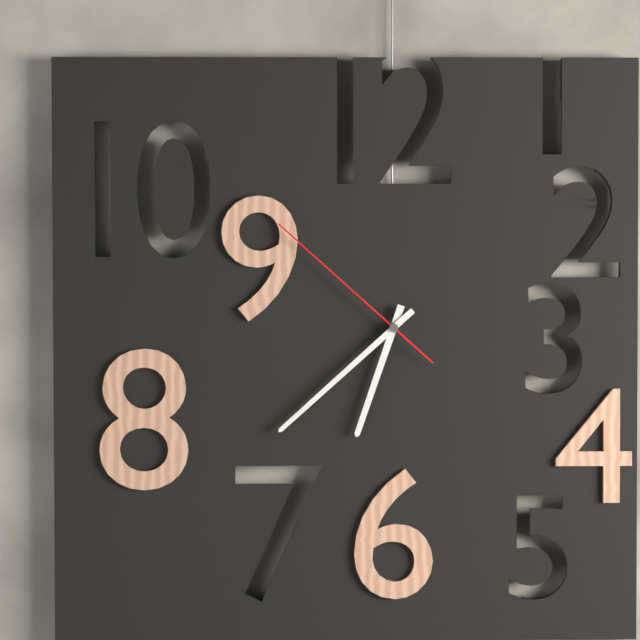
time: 6:38:52
